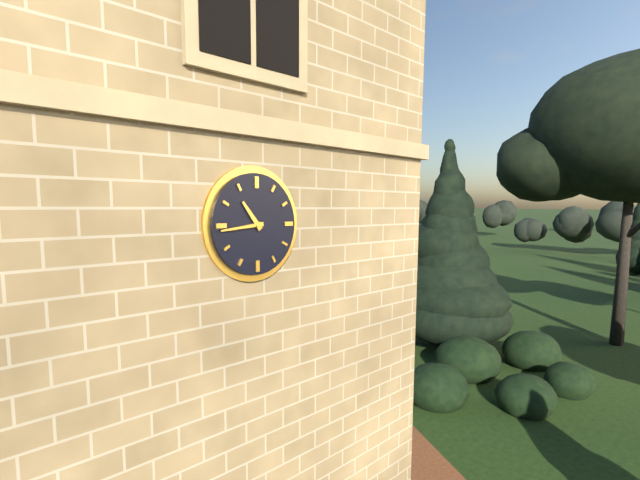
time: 10:44
